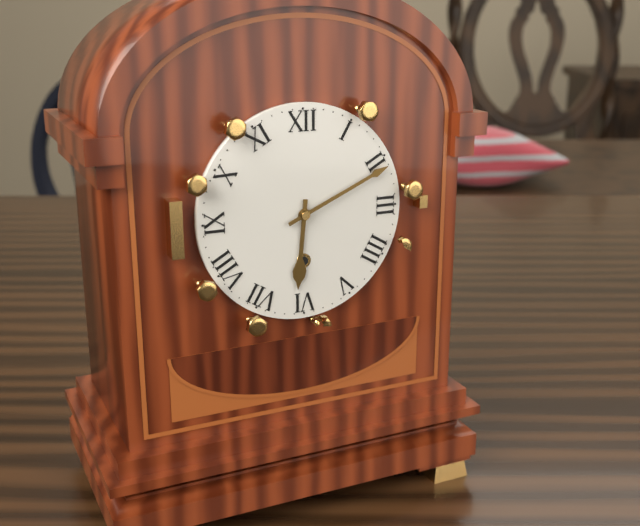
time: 6:11
